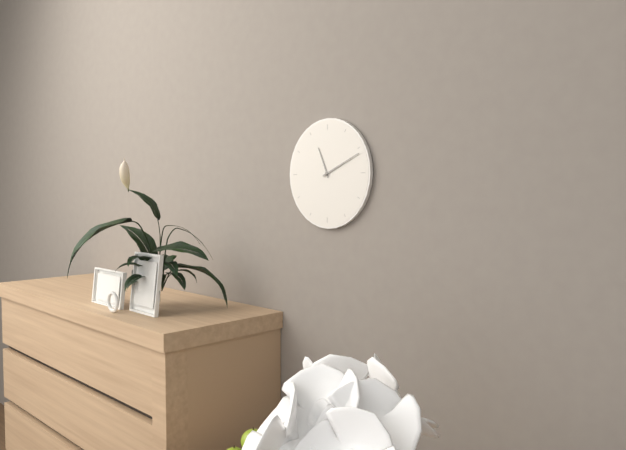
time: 11:11
